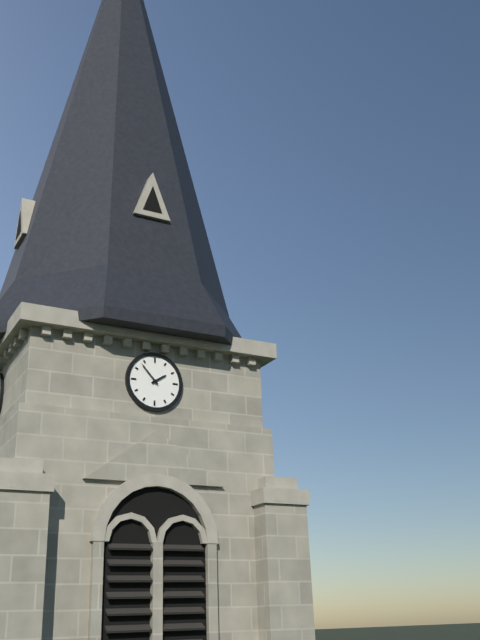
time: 1:53
